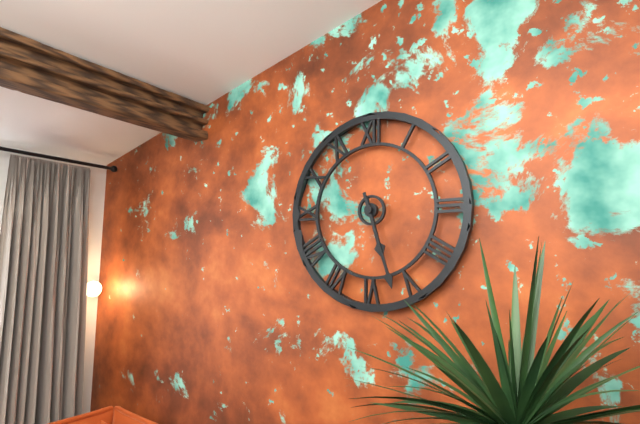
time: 5:27
